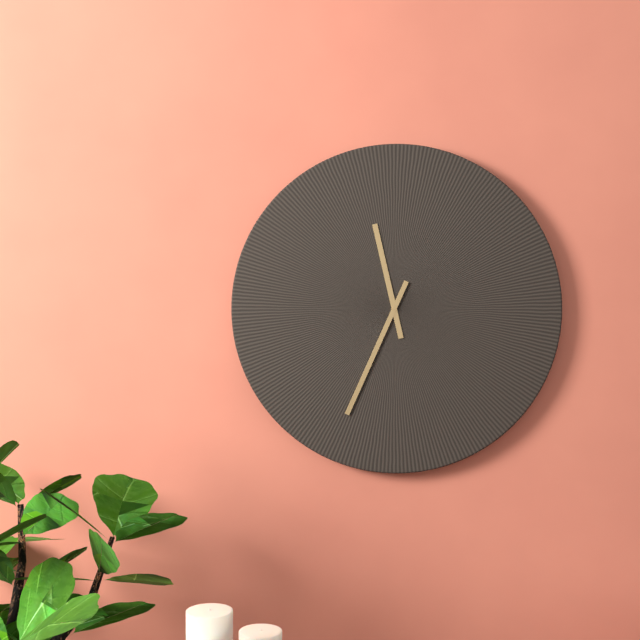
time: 11:34
